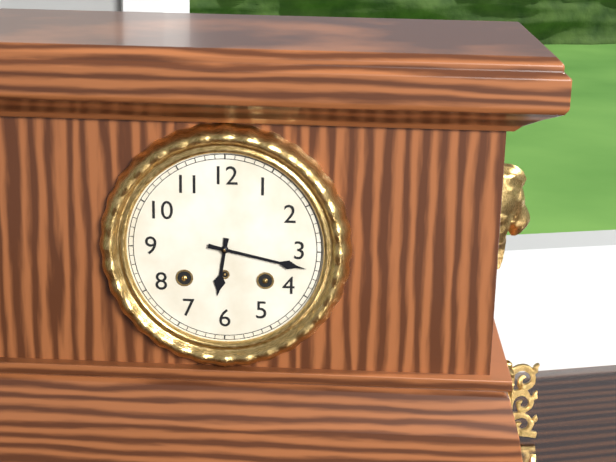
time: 6:17
